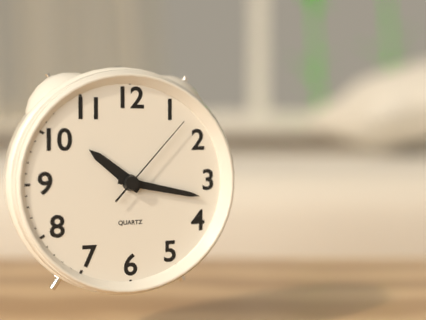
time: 10:17:07
